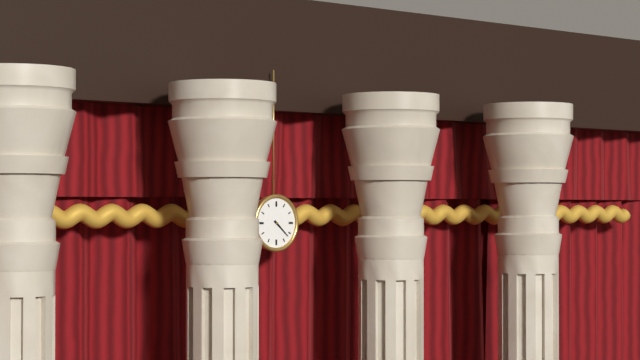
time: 4:22
